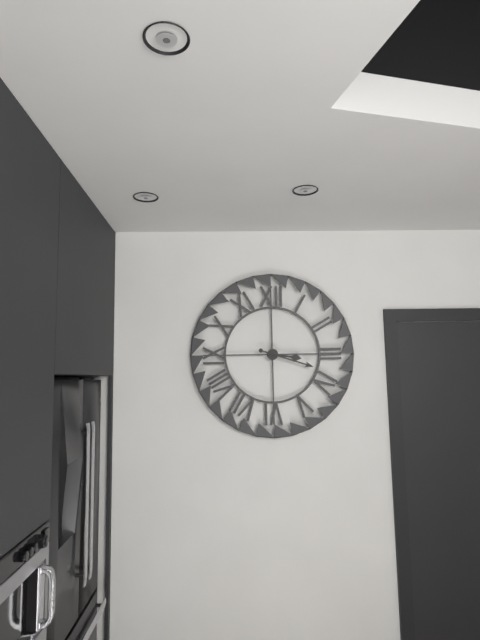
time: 3:18
